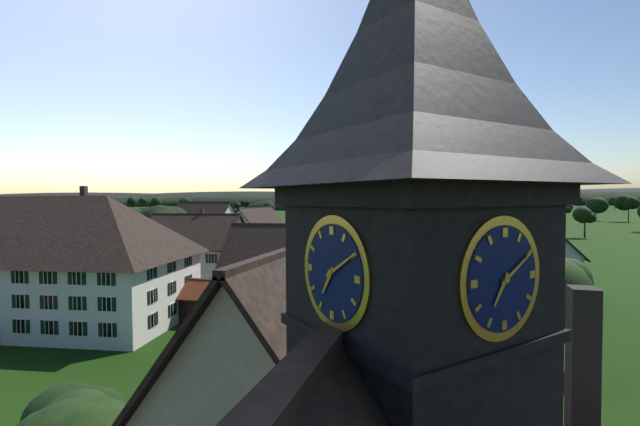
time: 7:10
